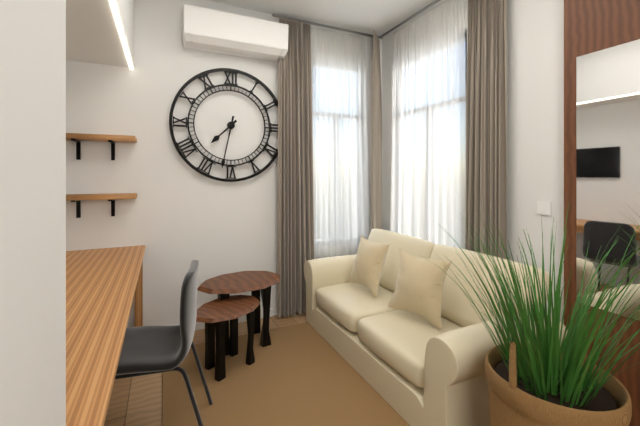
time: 7:32
